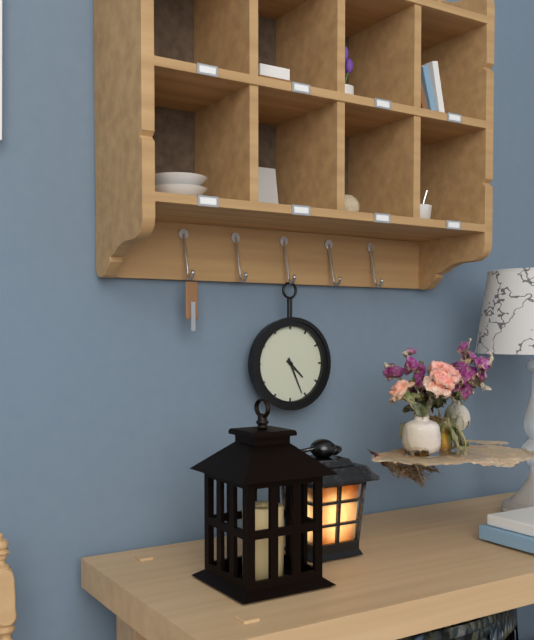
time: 4:26
